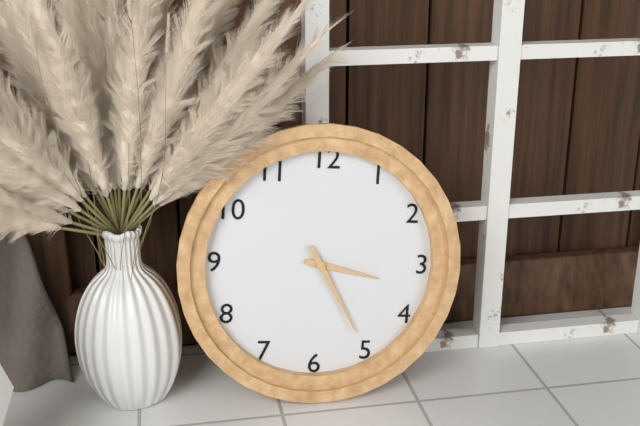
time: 3:25
